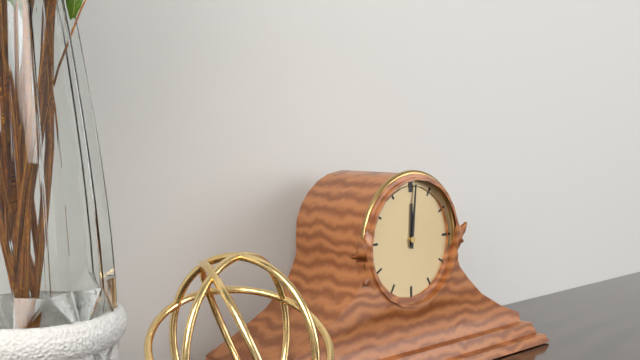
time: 12:01
